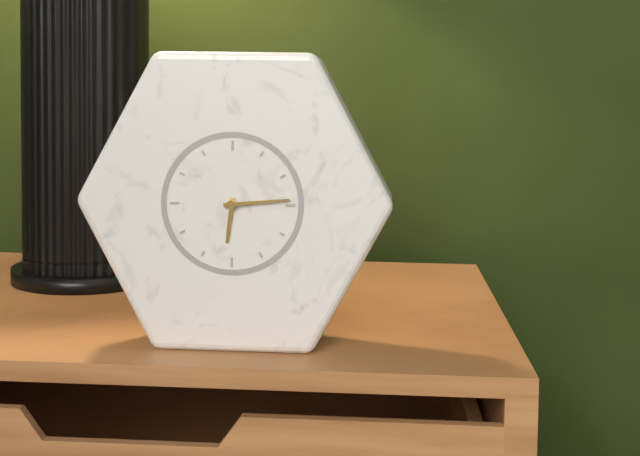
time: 6:14
